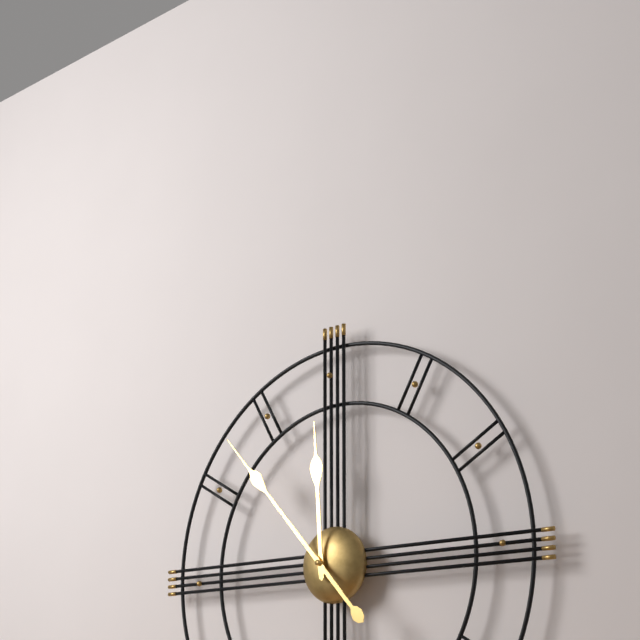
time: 11:53
